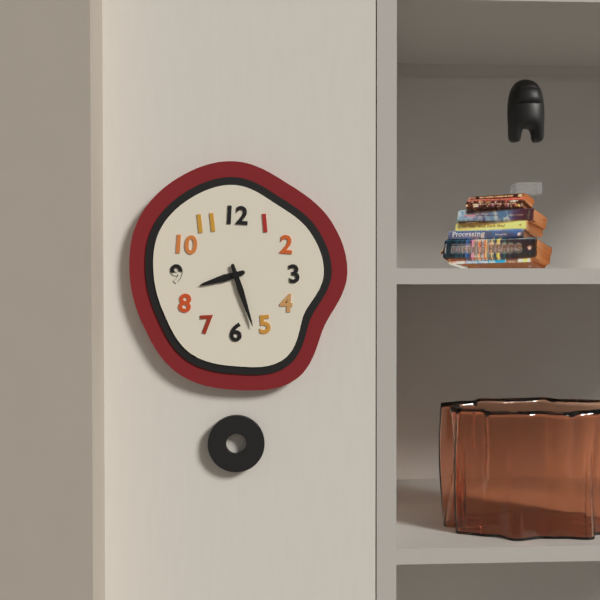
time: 8:27
